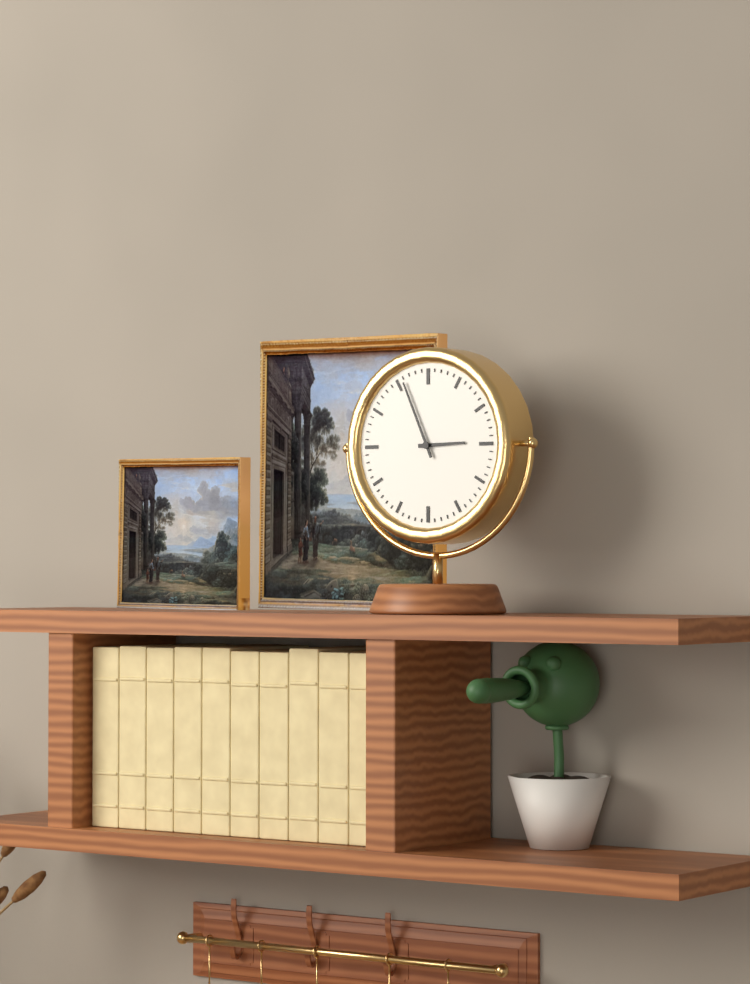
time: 2:56
